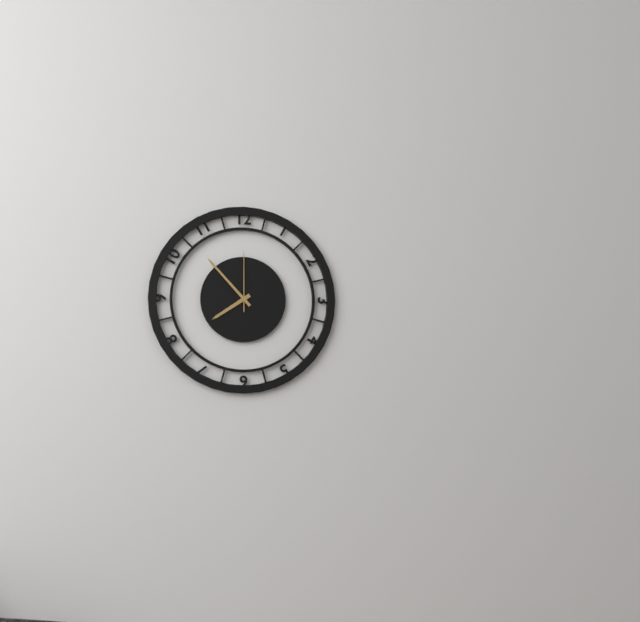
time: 7:53:00
